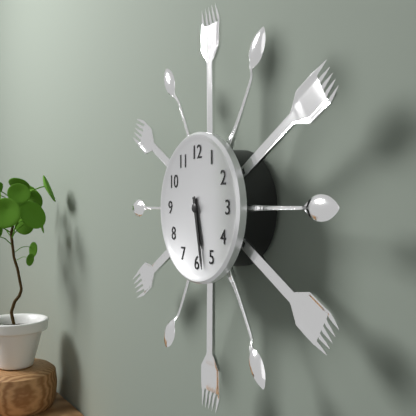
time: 5:28
